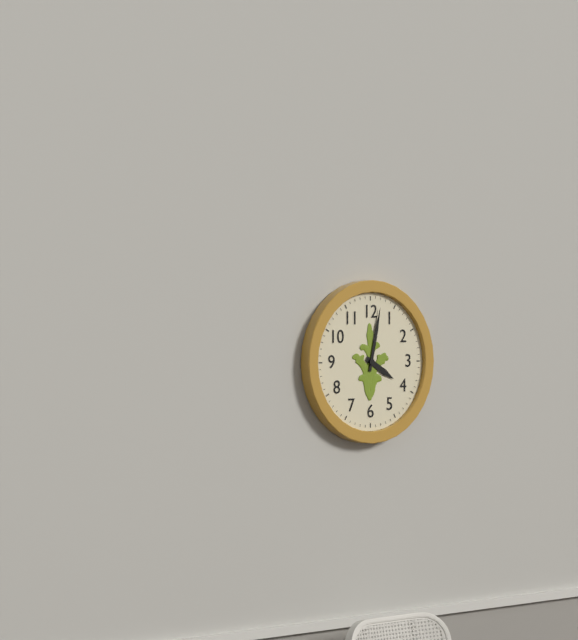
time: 4:02
